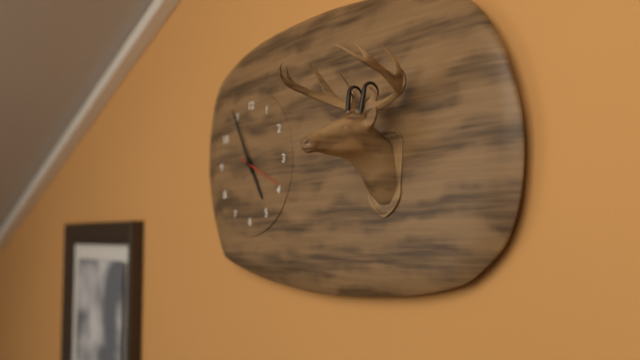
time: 4:55
